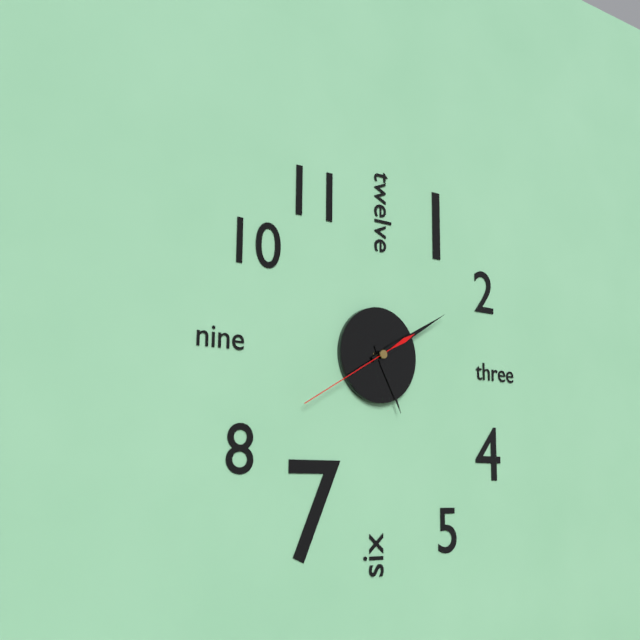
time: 5:10:40
